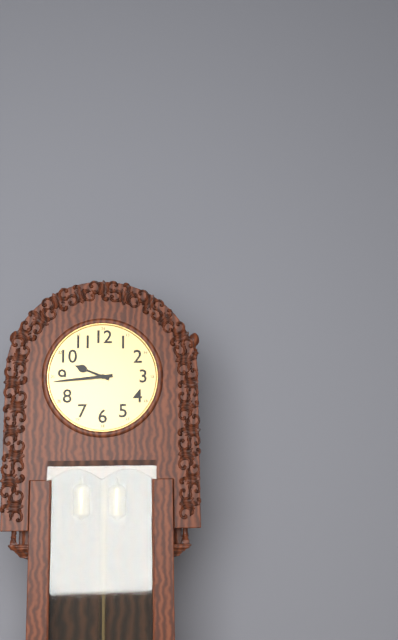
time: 9:44
